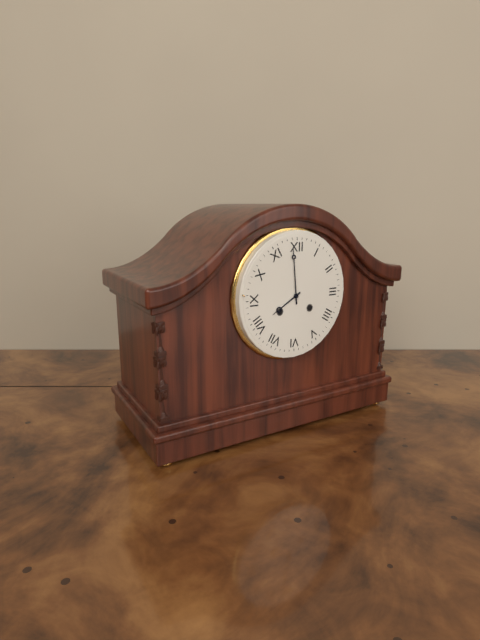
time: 7:59
